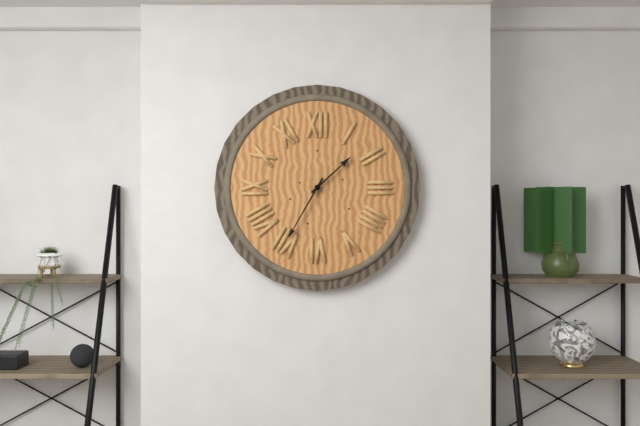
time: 1:35
